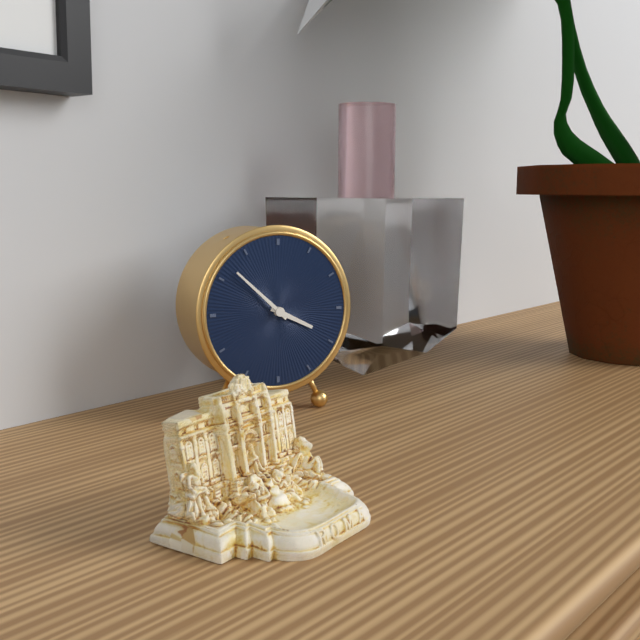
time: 3:52
